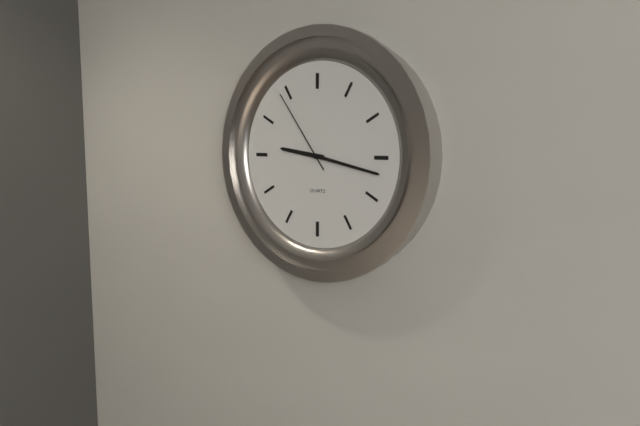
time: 9:17:54
